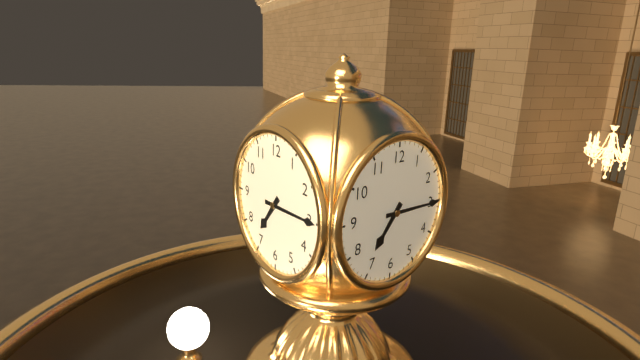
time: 7:15
